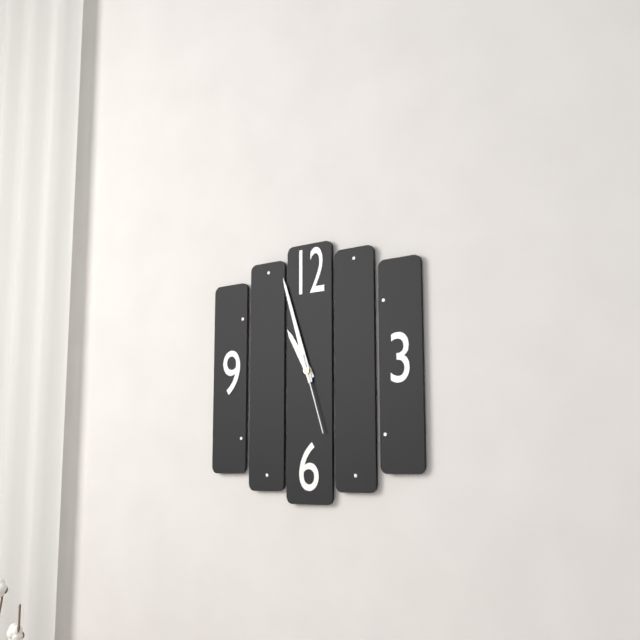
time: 10:57:27
